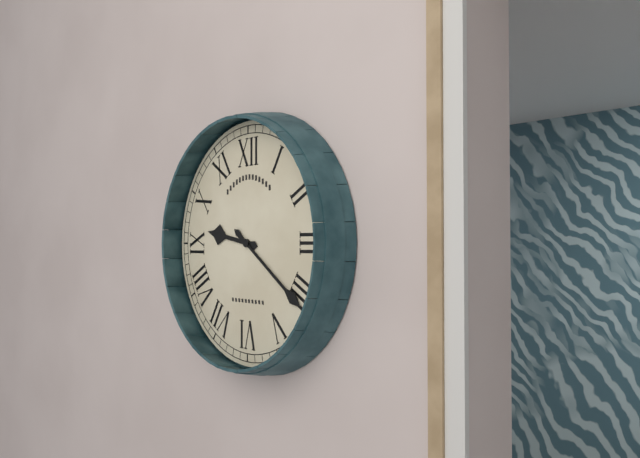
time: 9:21
